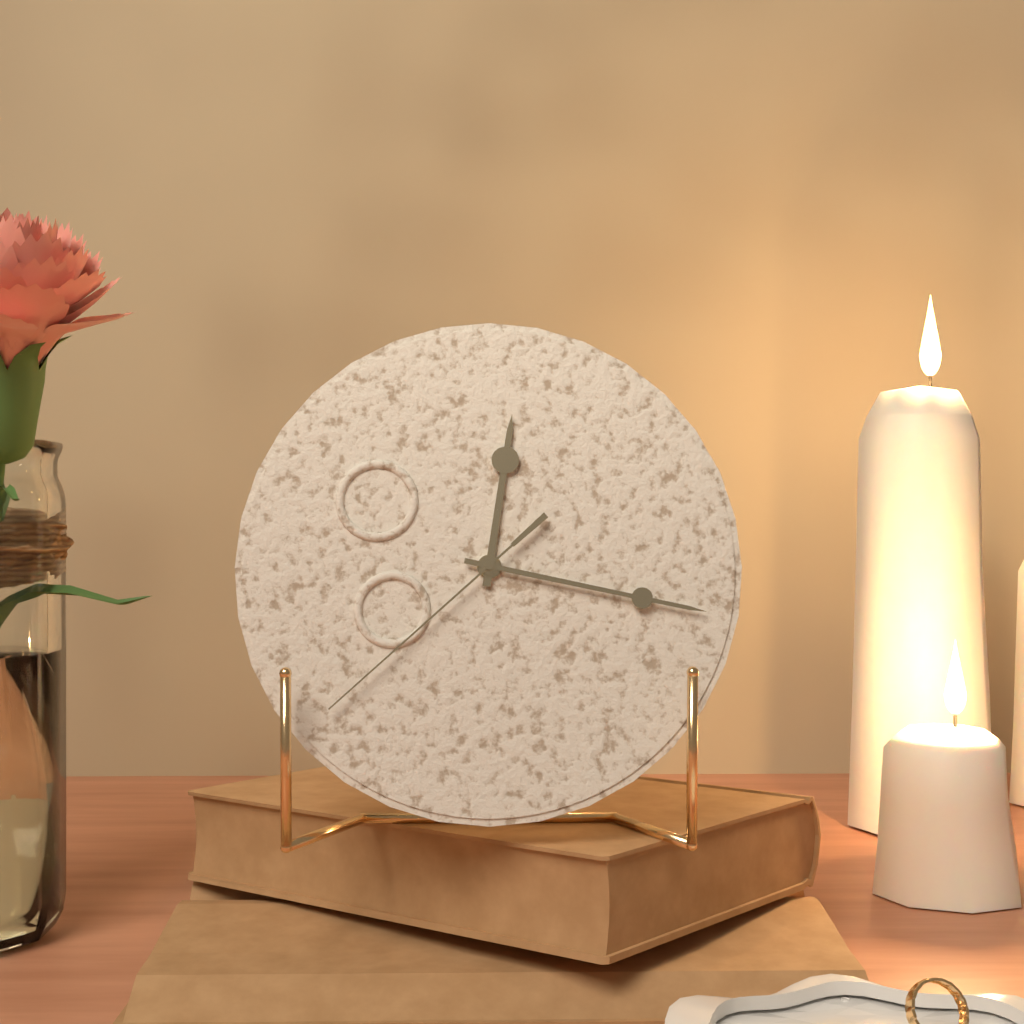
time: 12:17:38
